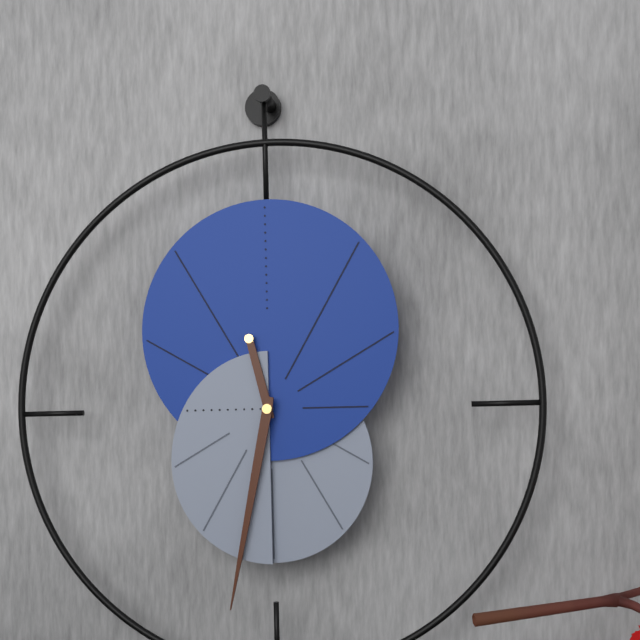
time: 11:32
